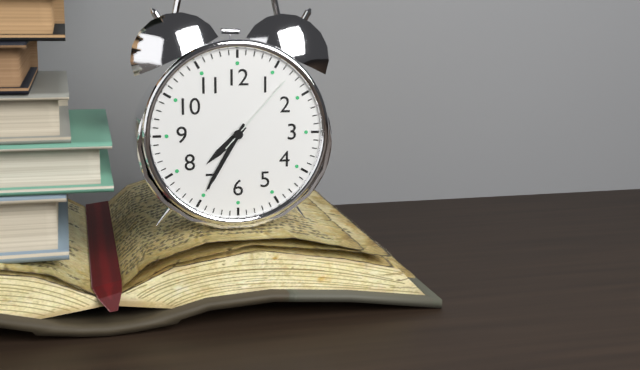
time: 7:35:07
